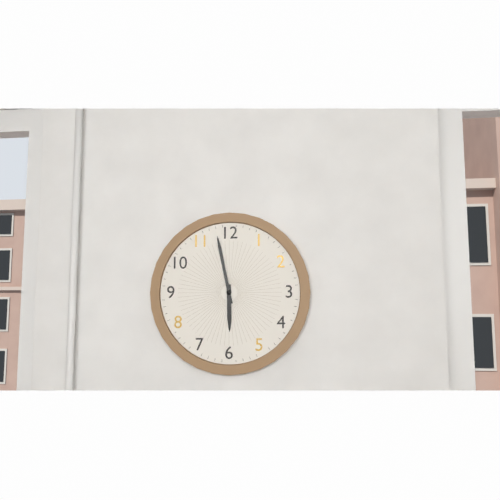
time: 5:58
